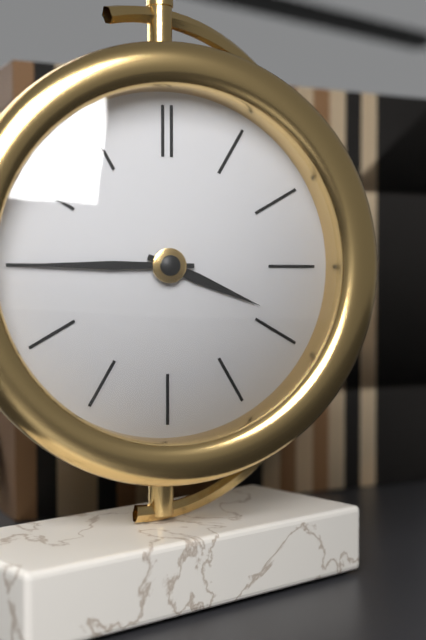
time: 3:45
